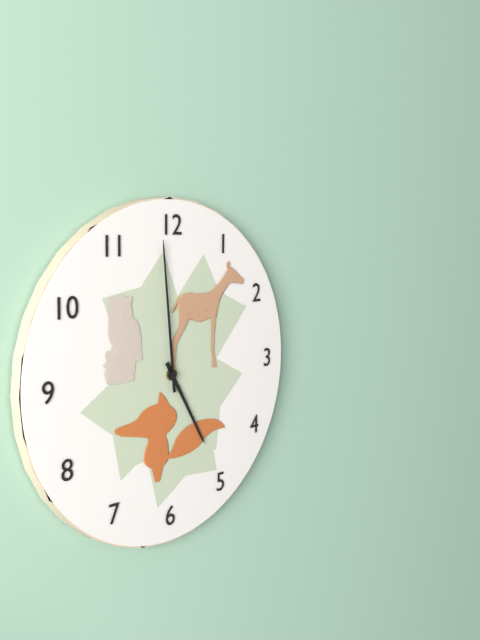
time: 4:59
